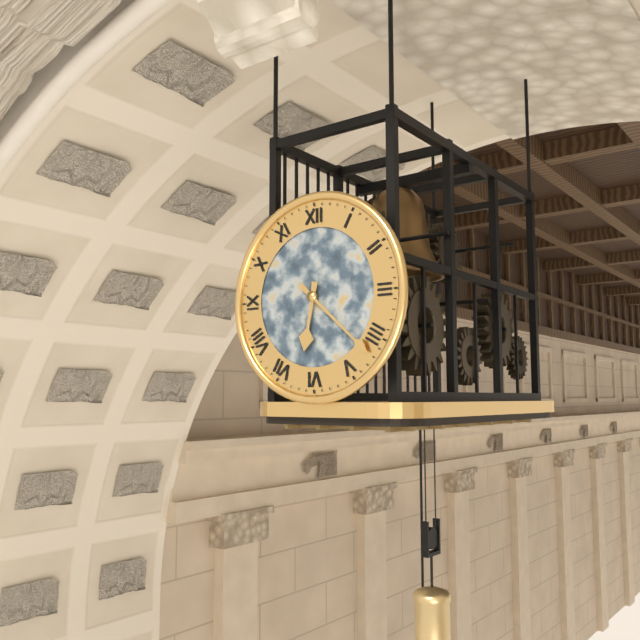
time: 6:22
